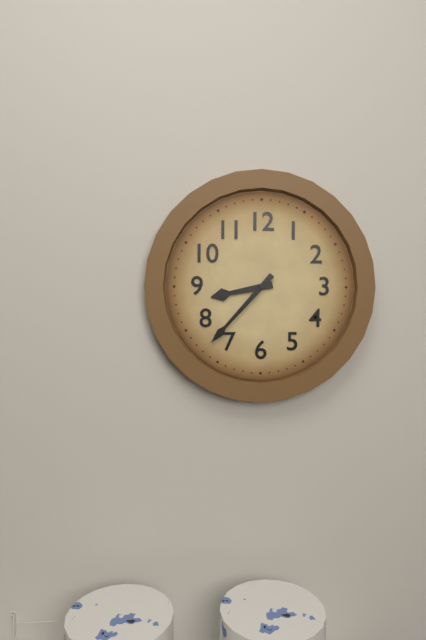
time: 8:37
